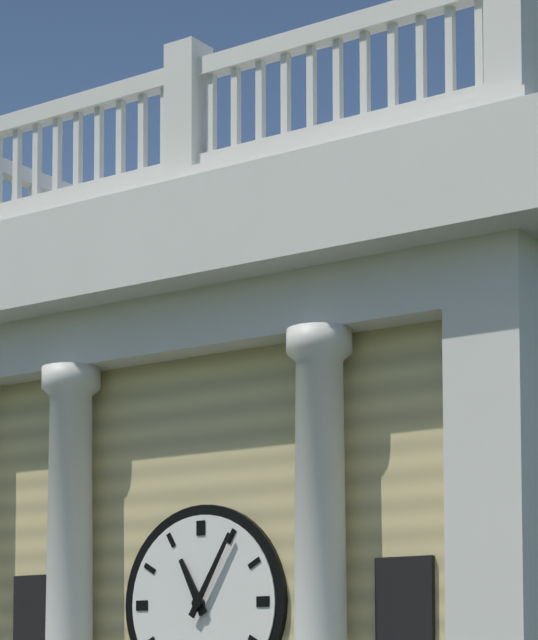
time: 11:05
